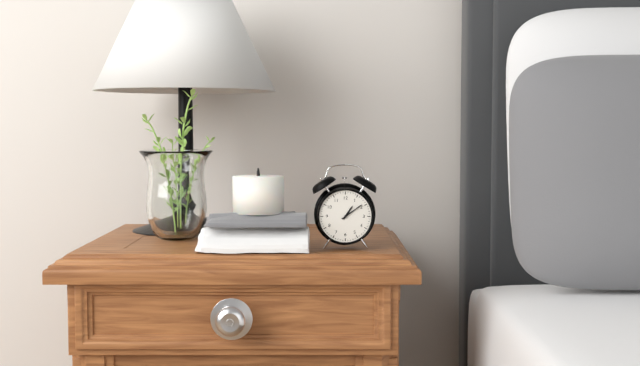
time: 1:09
